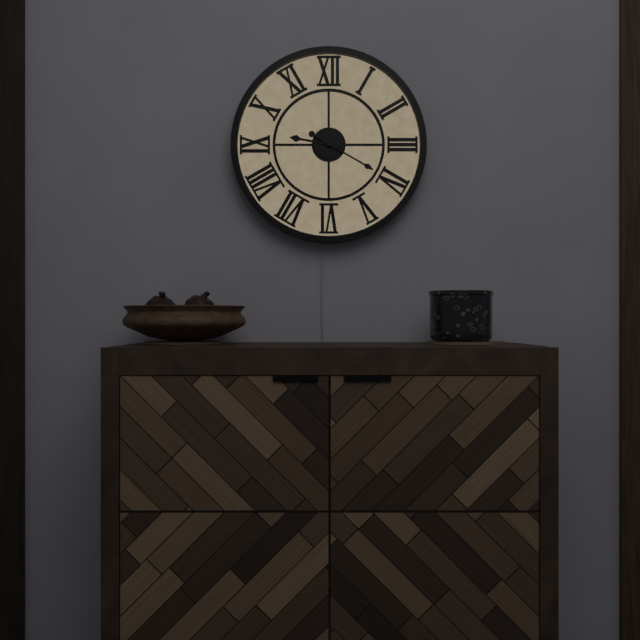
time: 9:20
